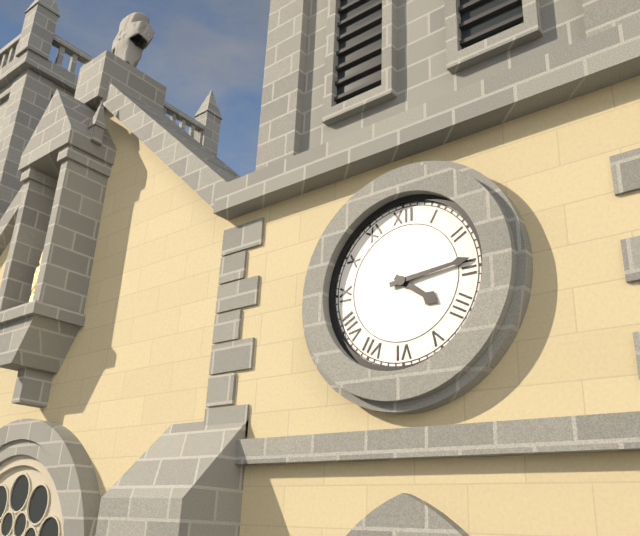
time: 4:14
